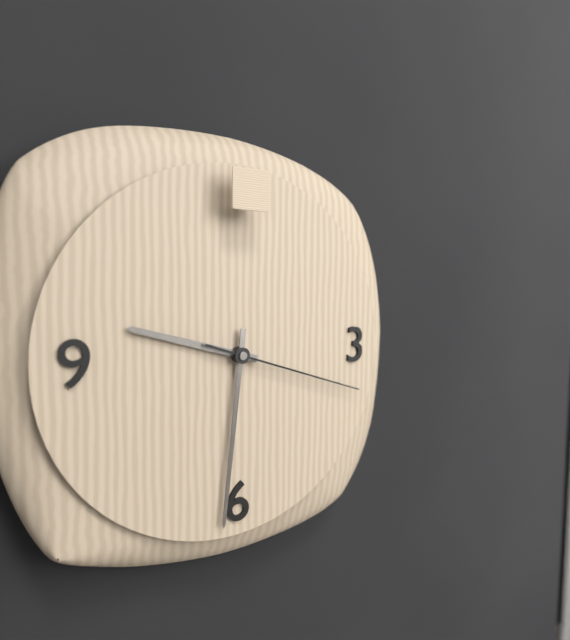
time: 9:31:18
